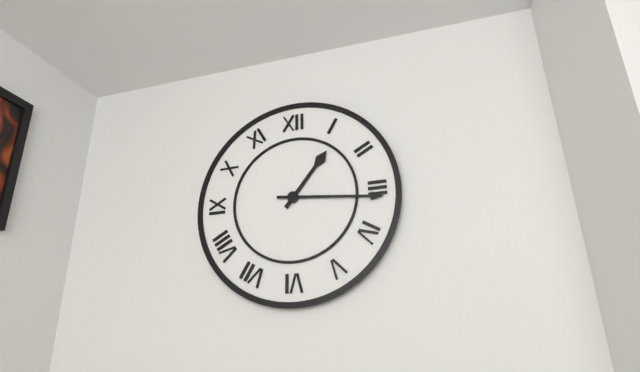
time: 1:16
